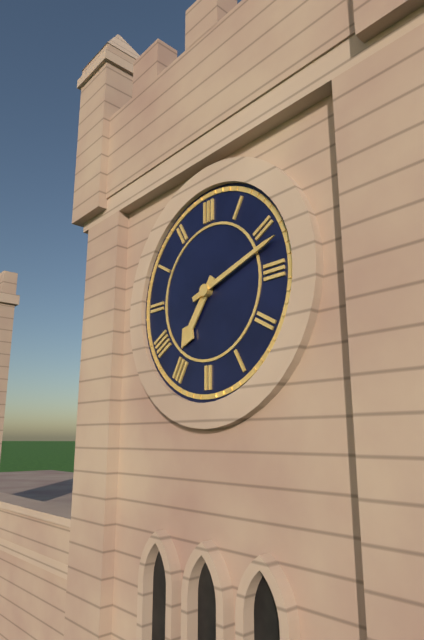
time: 7:12
